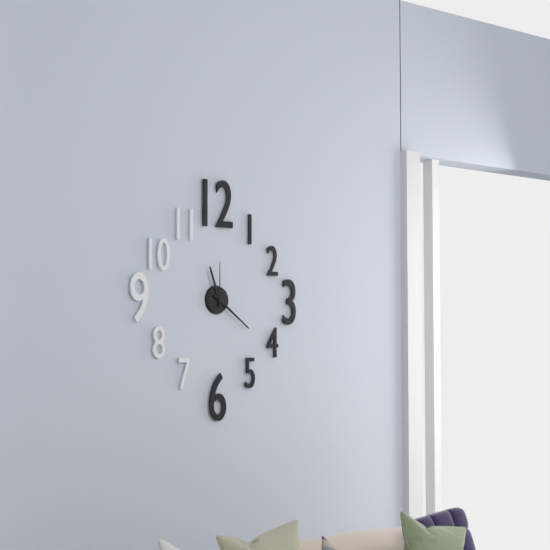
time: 11:21
